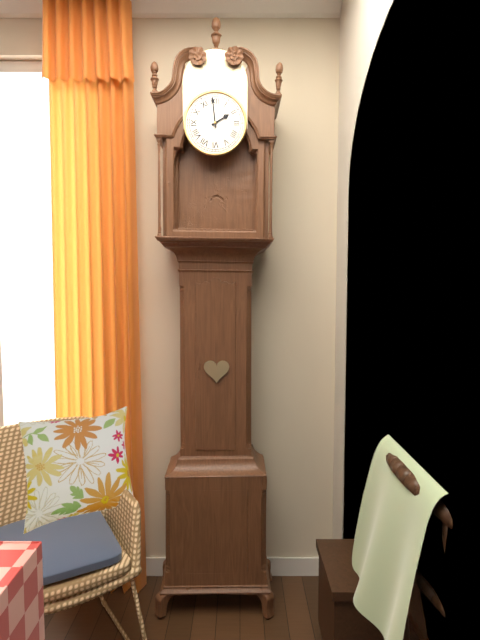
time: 1:59
